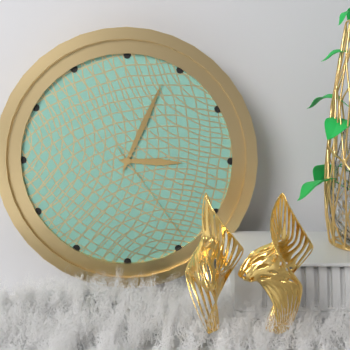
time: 3:04:24
